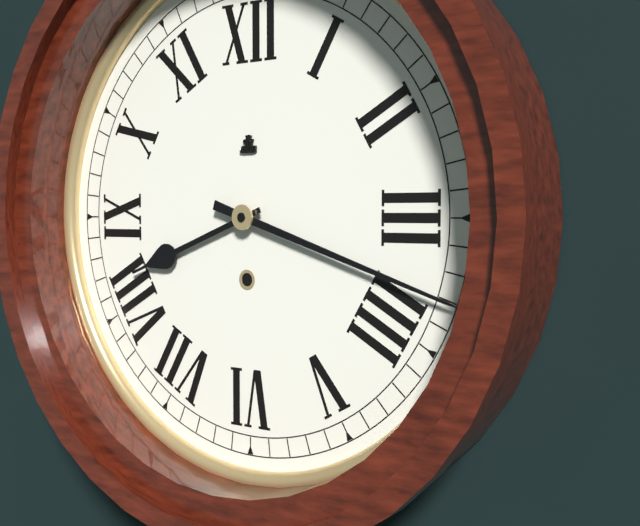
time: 8:18
